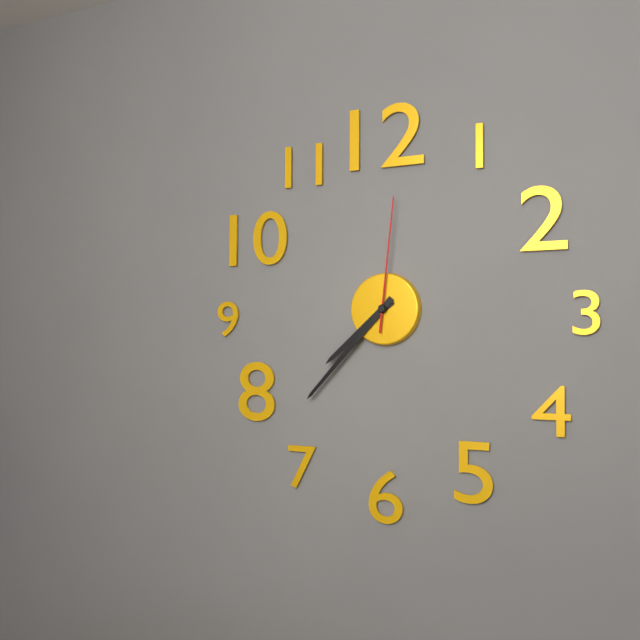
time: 7:37:01
